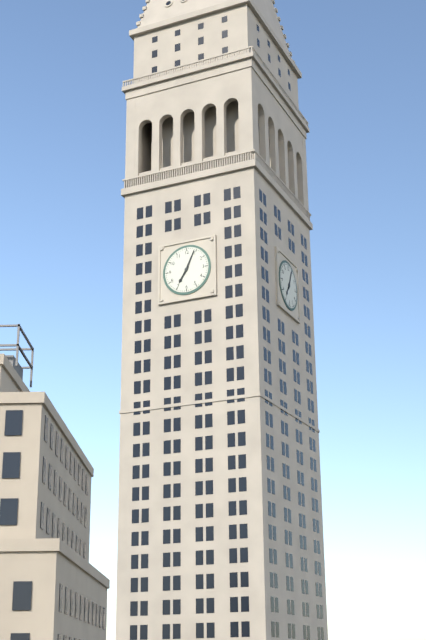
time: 7:04
